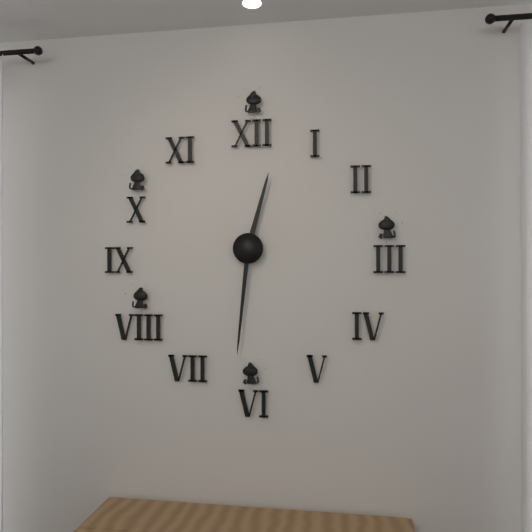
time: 12:31
